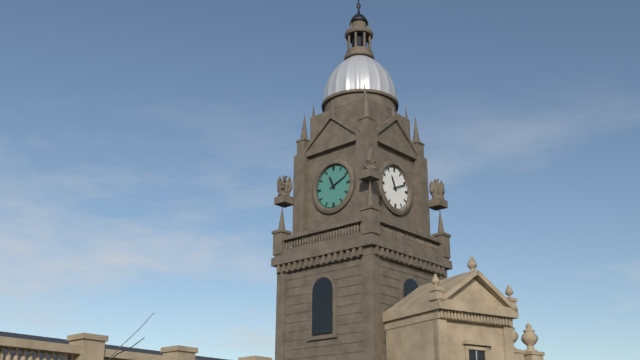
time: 11:11
